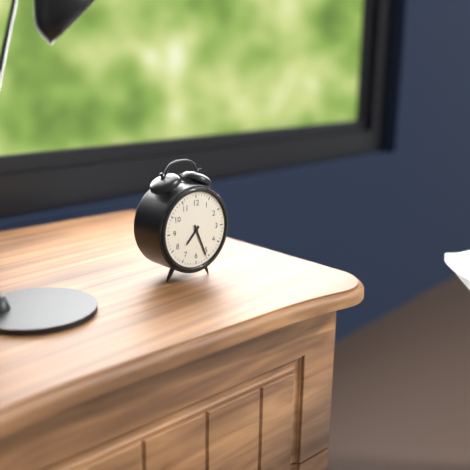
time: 7:26
